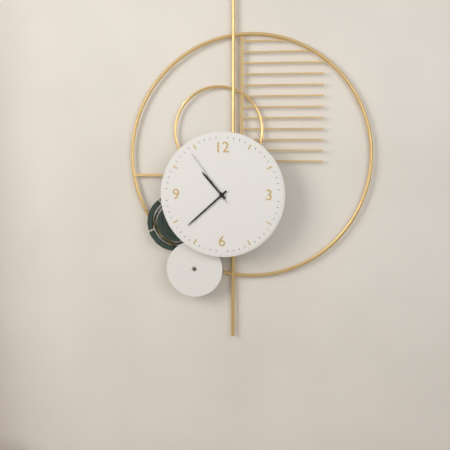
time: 10:38:54
